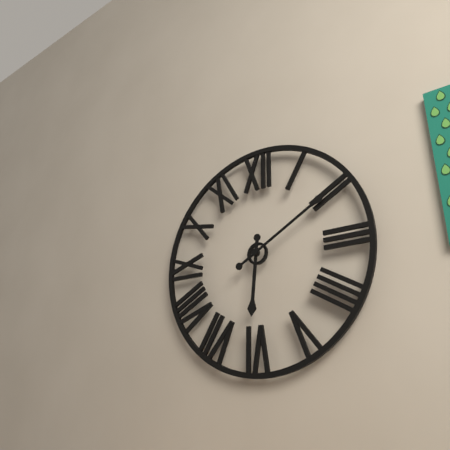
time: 6:10
